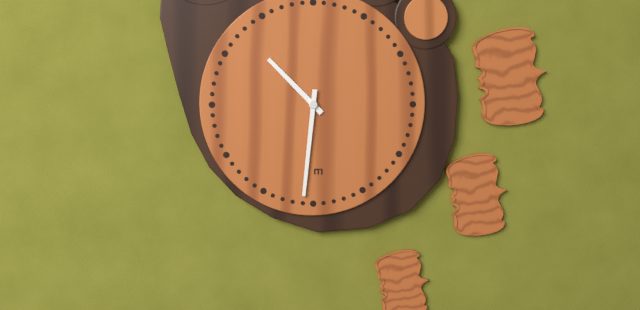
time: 10:31
